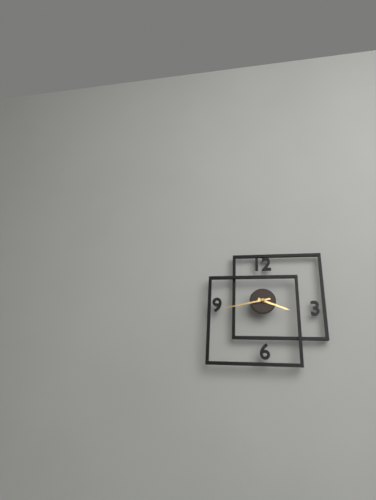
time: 3:43
